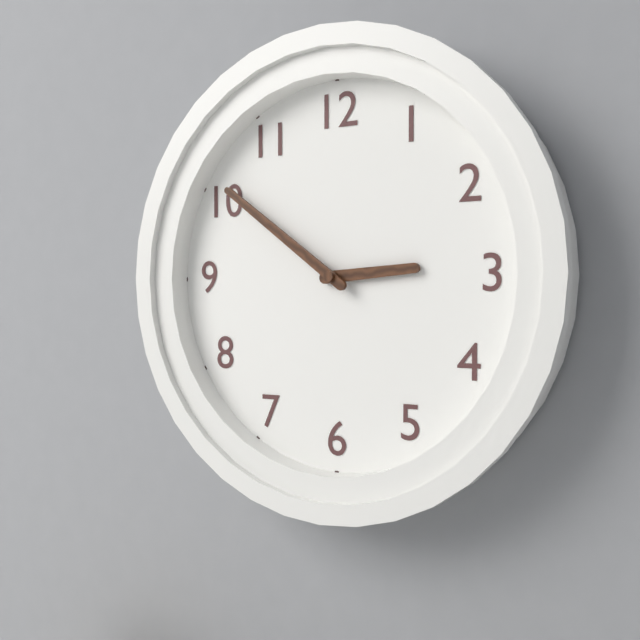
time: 2:51
